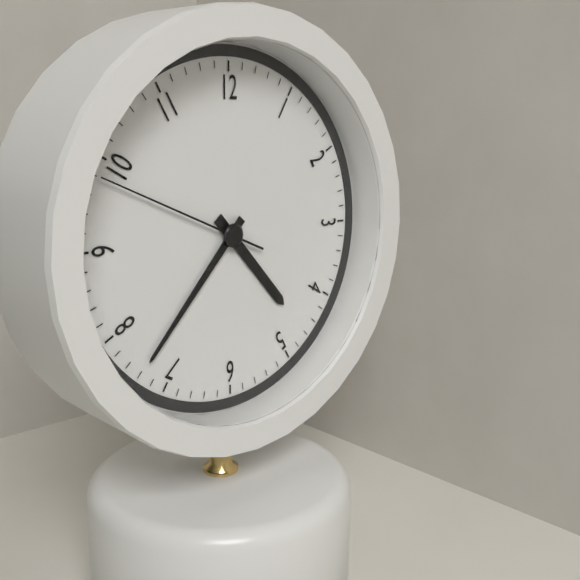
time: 4:37:49
